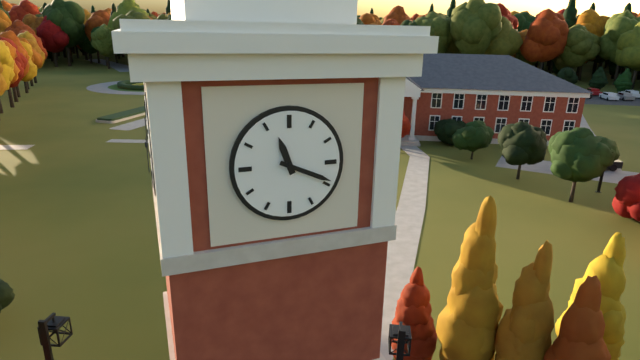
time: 11:19
